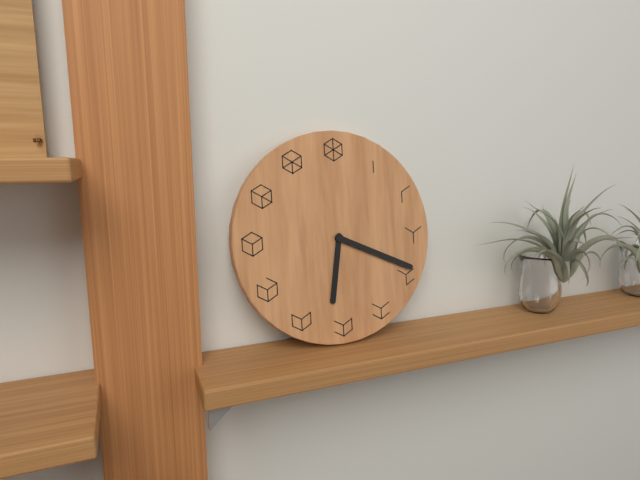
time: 6:19
